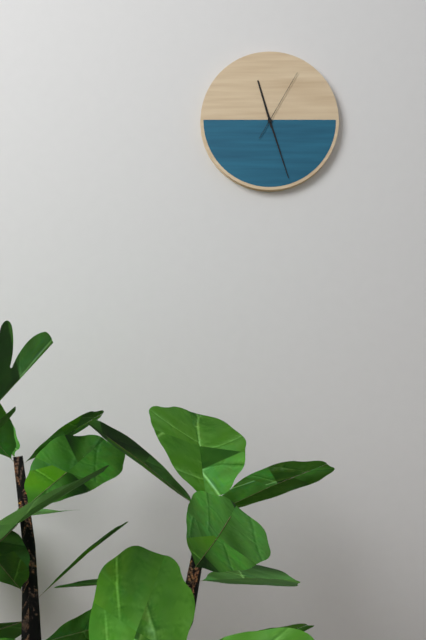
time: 11:27:05
